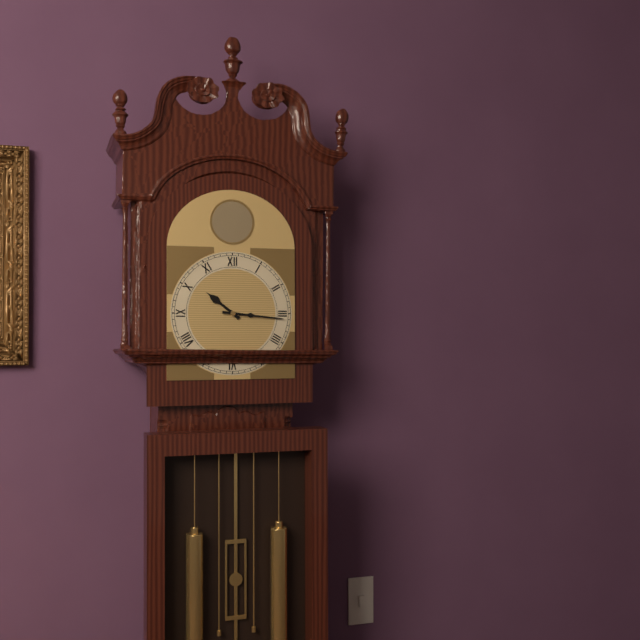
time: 10:16
